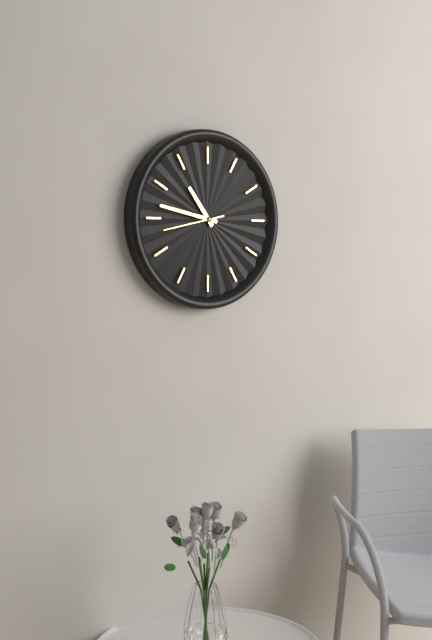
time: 10:47:43
